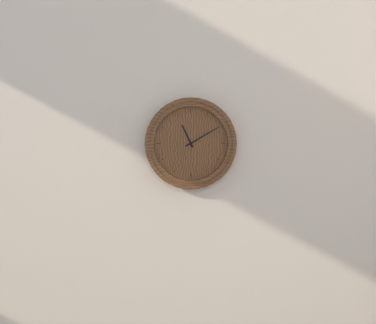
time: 11:10
